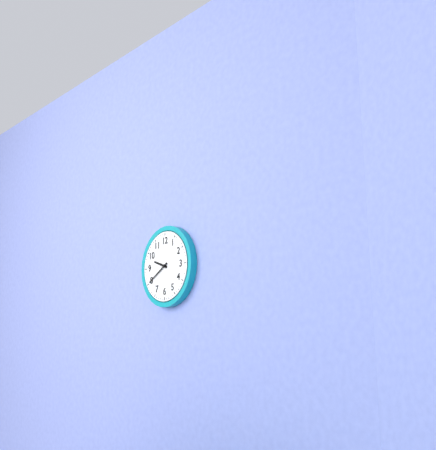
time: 9:40
